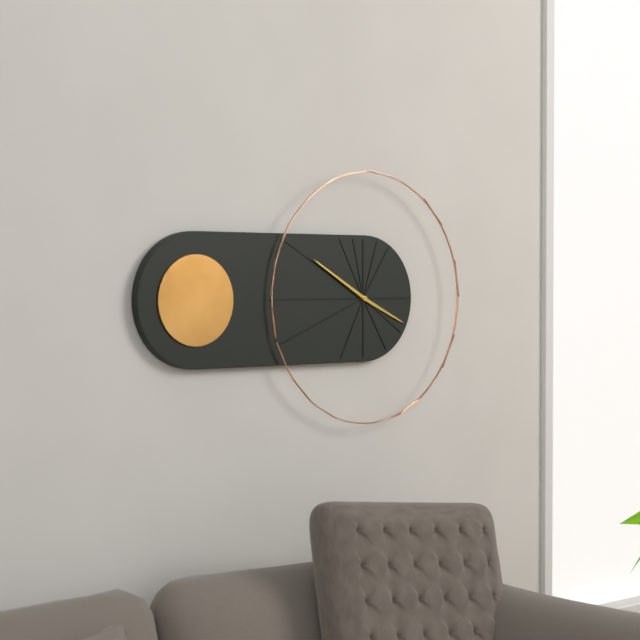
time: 3:50
